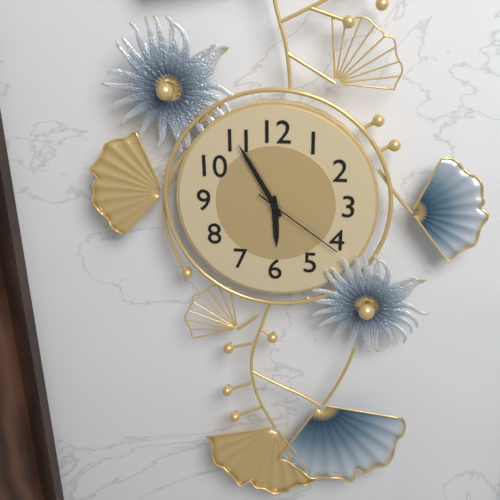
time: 5:55:21
